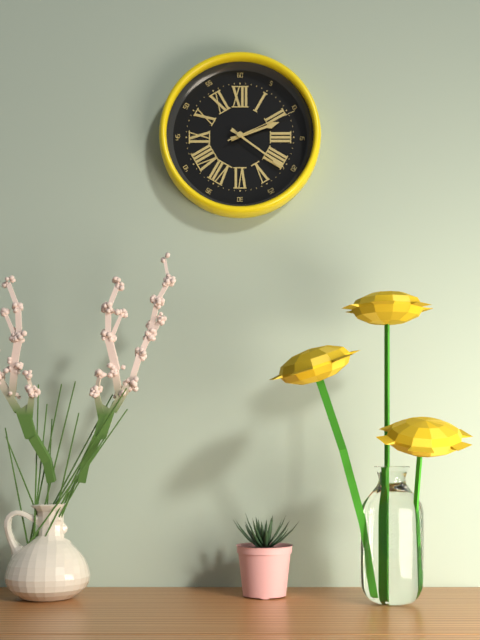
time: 2:21:11
